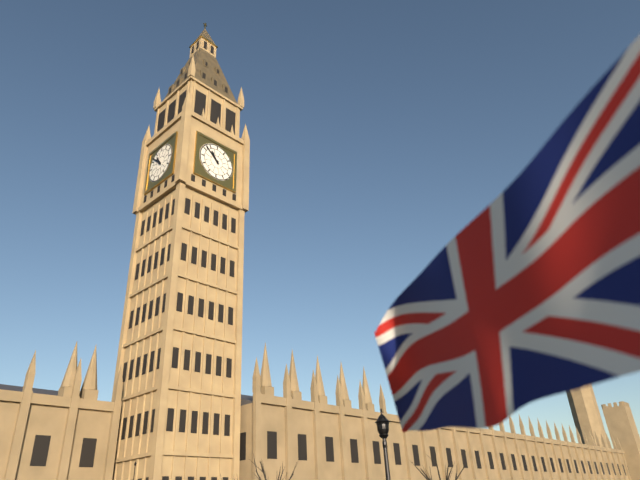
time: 10:52
